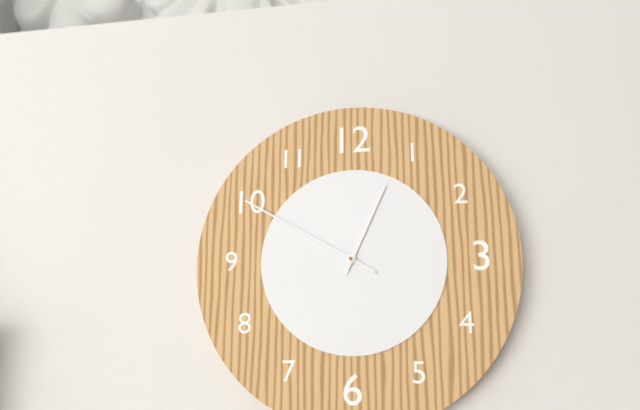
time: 12:50
